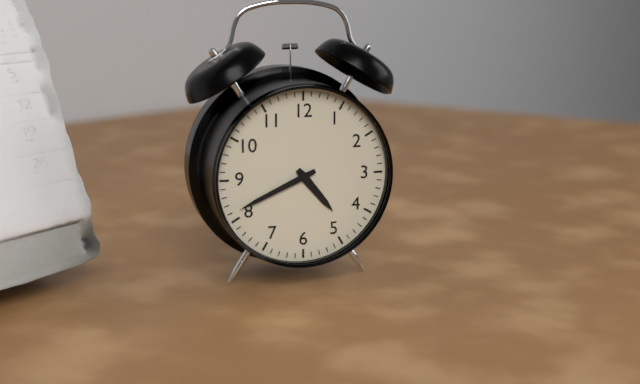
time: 4:41
